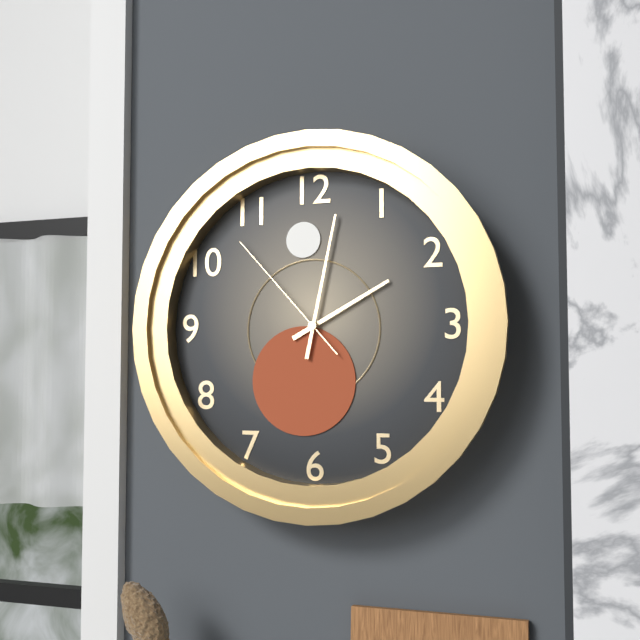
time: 2:02:53
